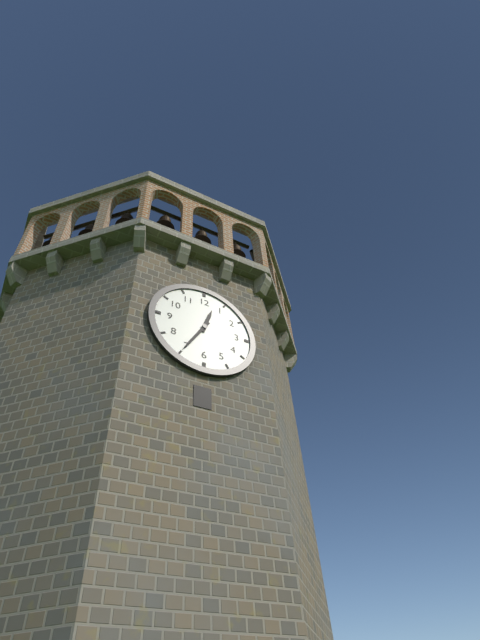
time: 12:35
